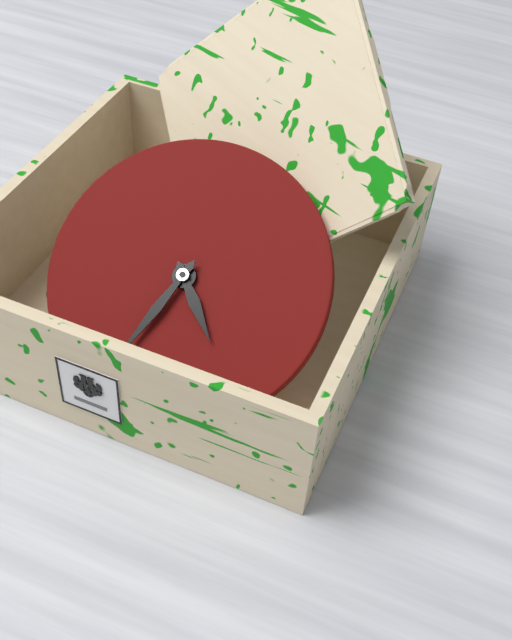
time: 4:33
